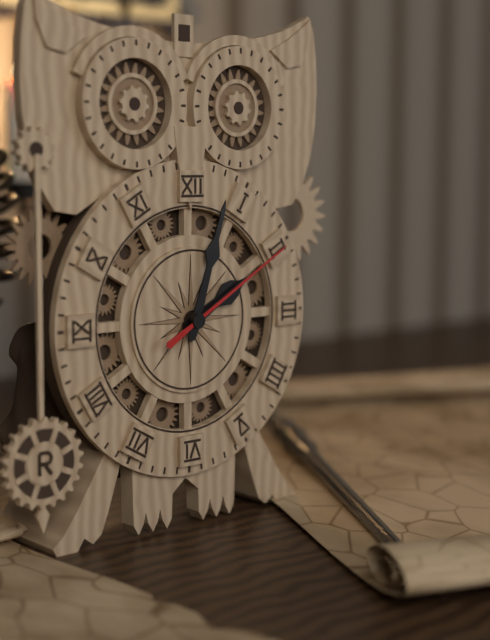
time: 2:03:10
